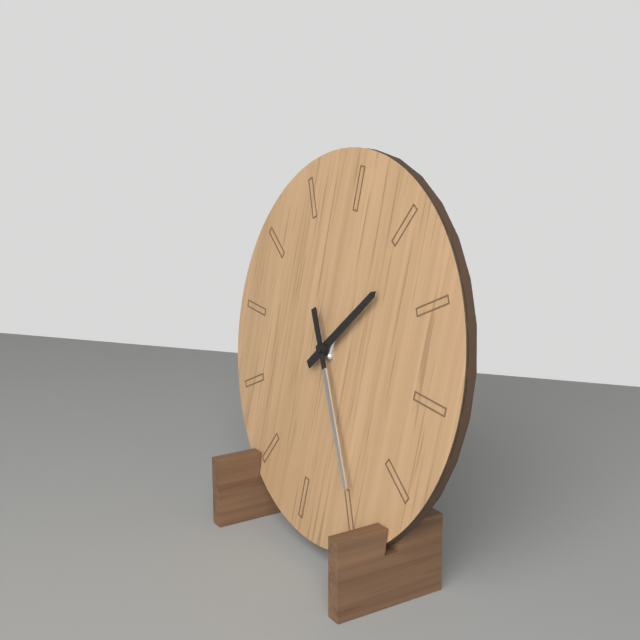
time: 1:24
